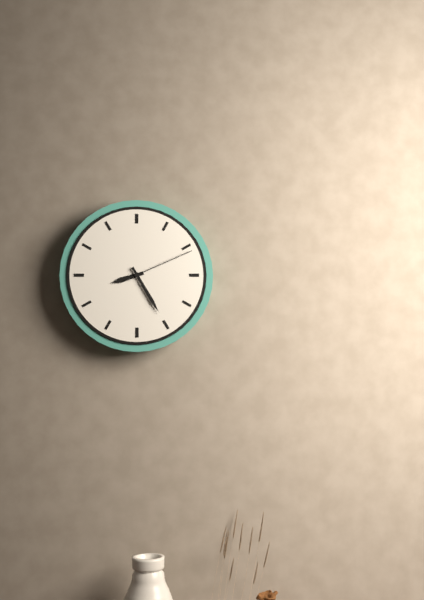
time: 8:25:11
